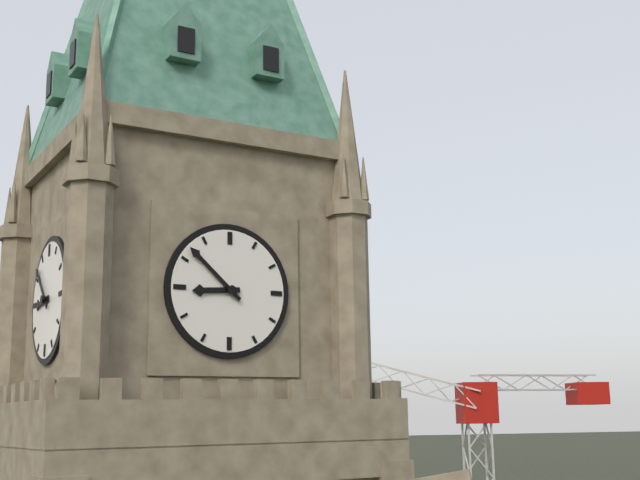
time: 8:52
